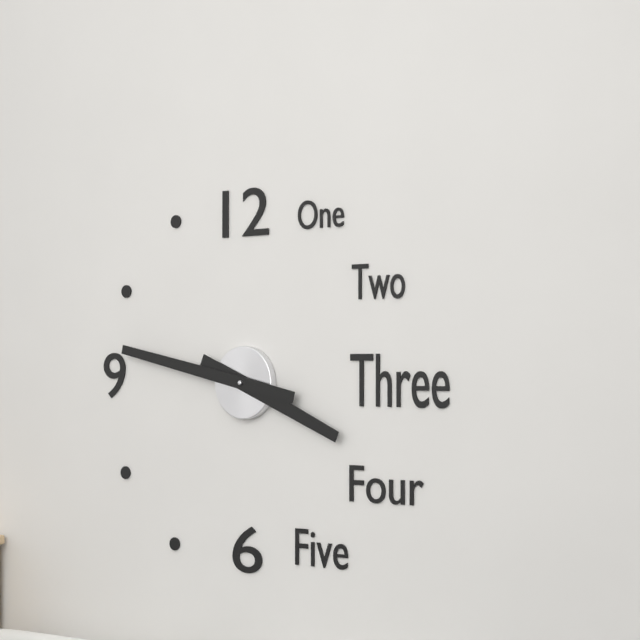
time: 3:47
